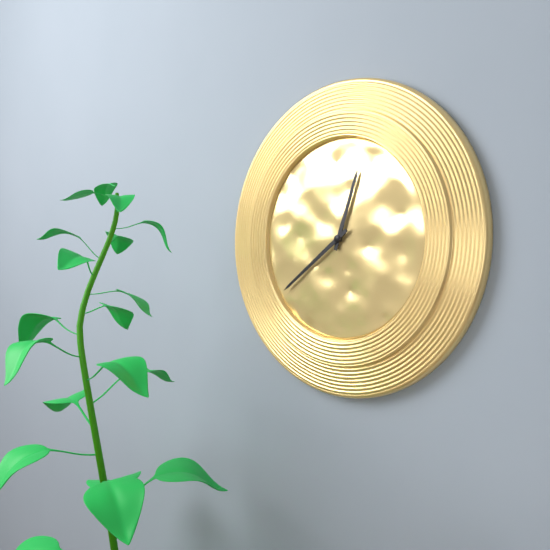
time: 12:39
